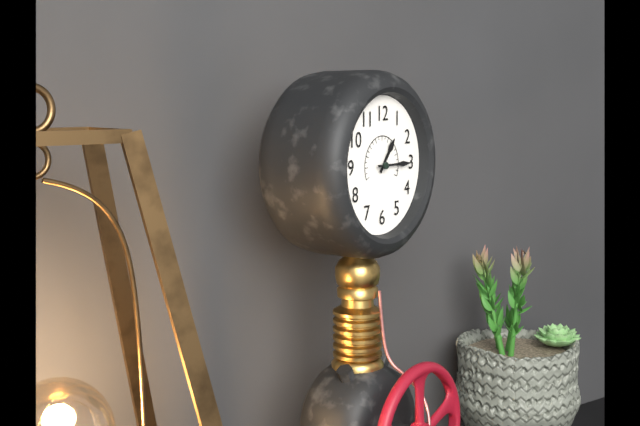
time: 1:15
